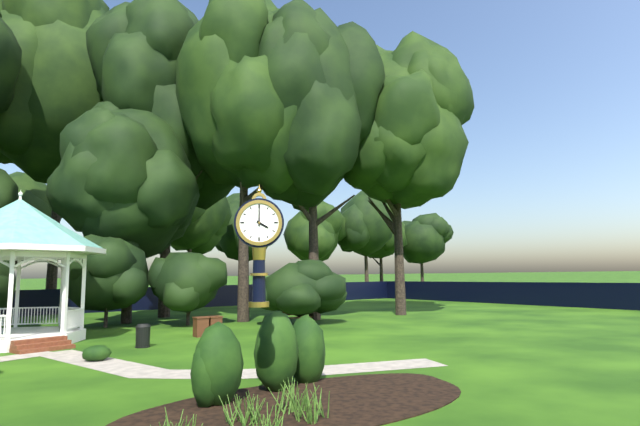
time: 4:00
